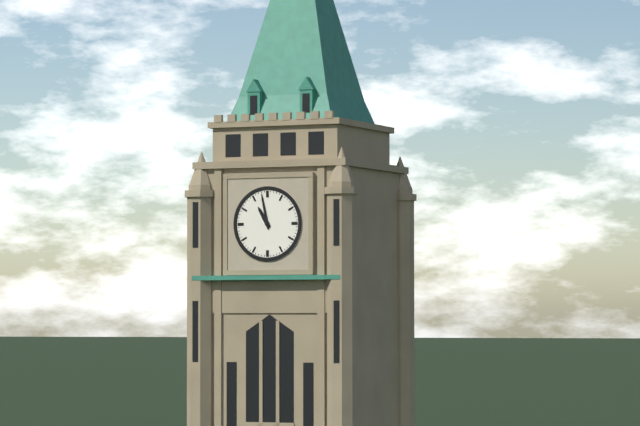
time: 10:58
